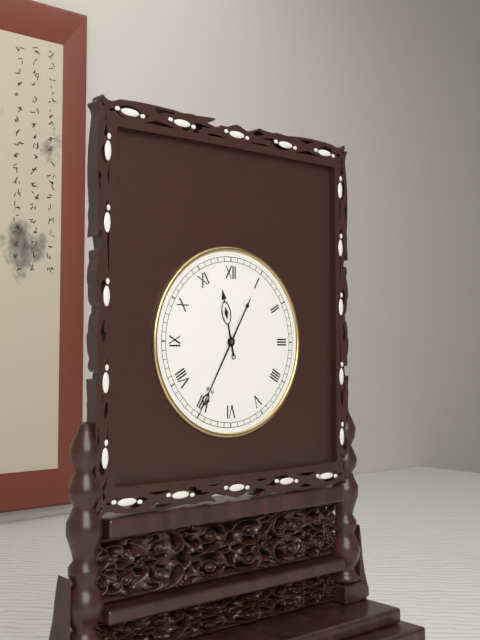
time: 11:35
